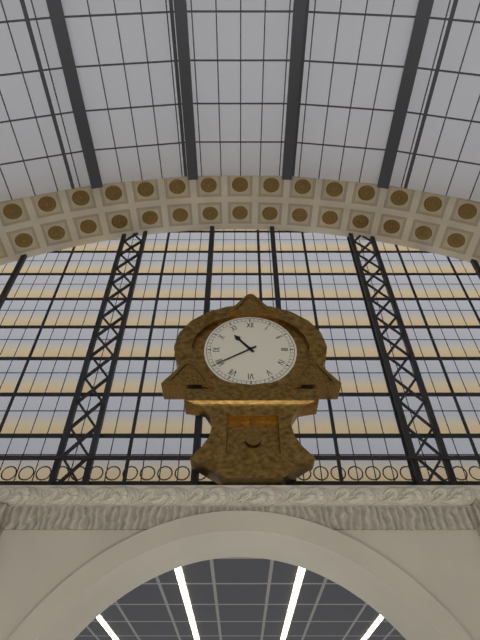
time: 10:40
